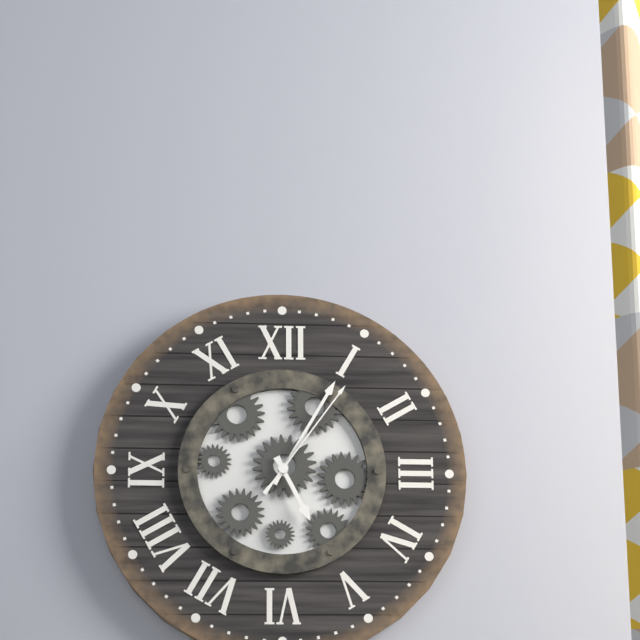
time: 5:05:06
